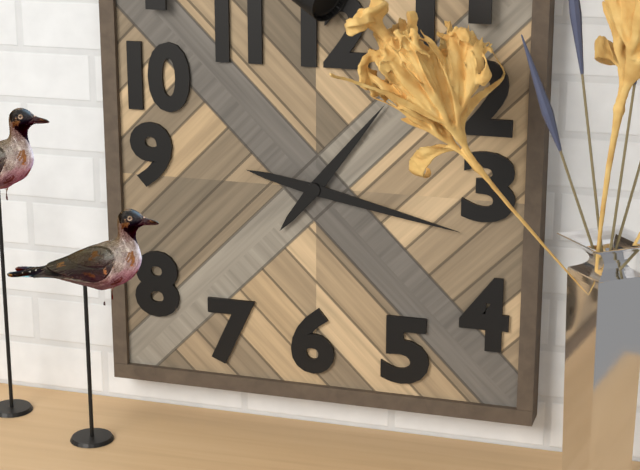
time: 1:17
